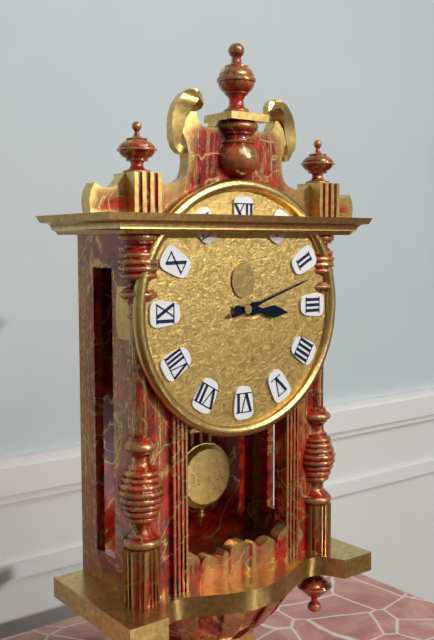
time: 3:12
